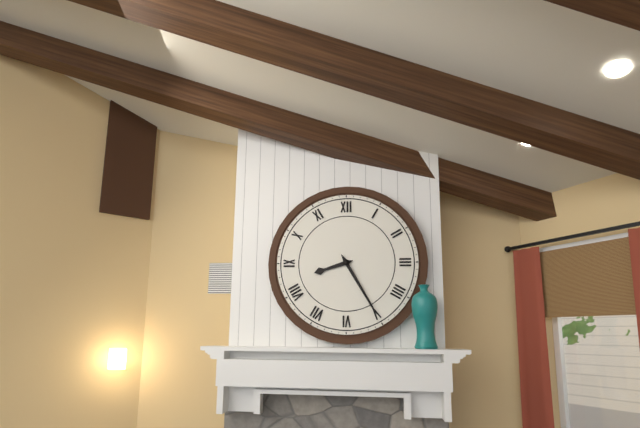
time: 8:25
